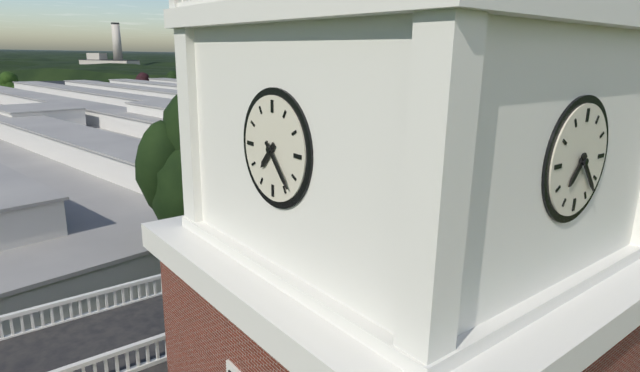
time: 7:23
